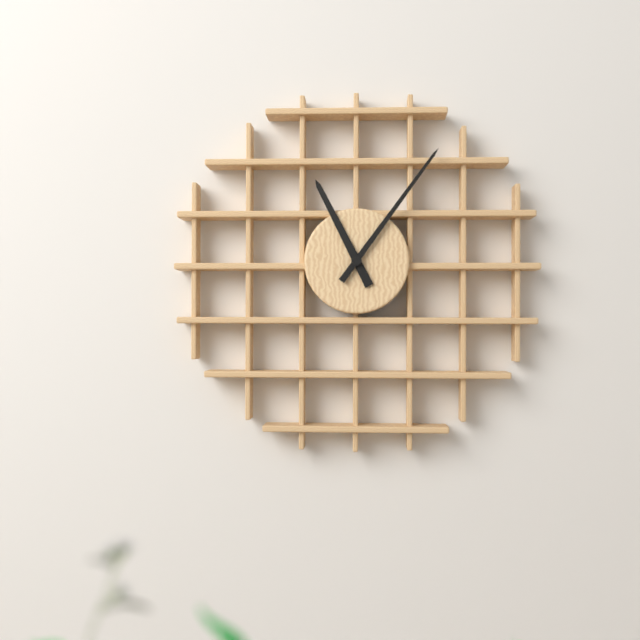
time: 11:06
